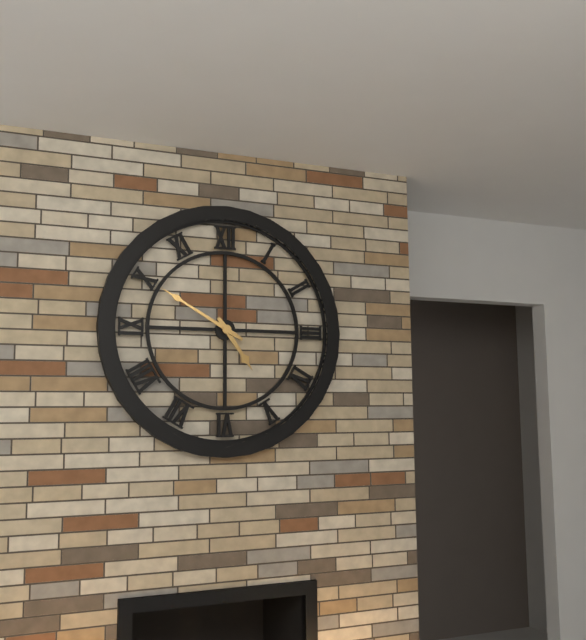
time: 4:50
